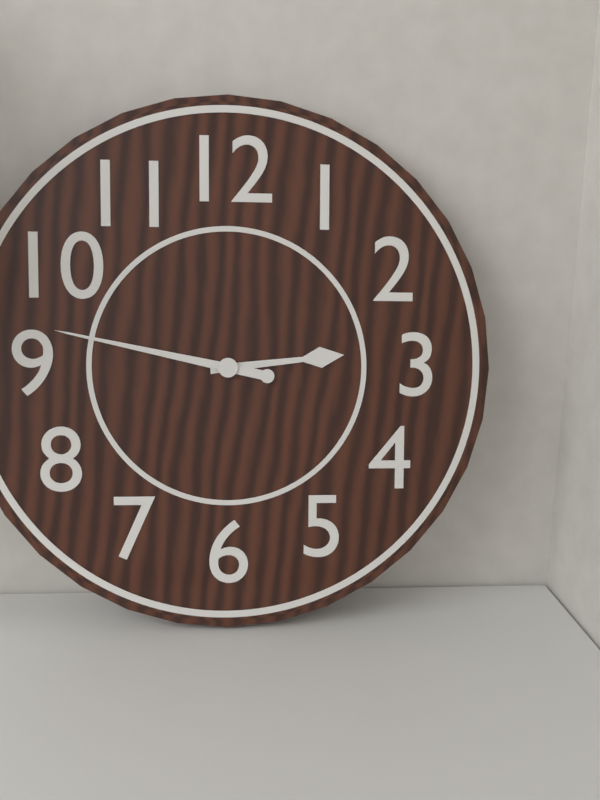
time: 2:47
